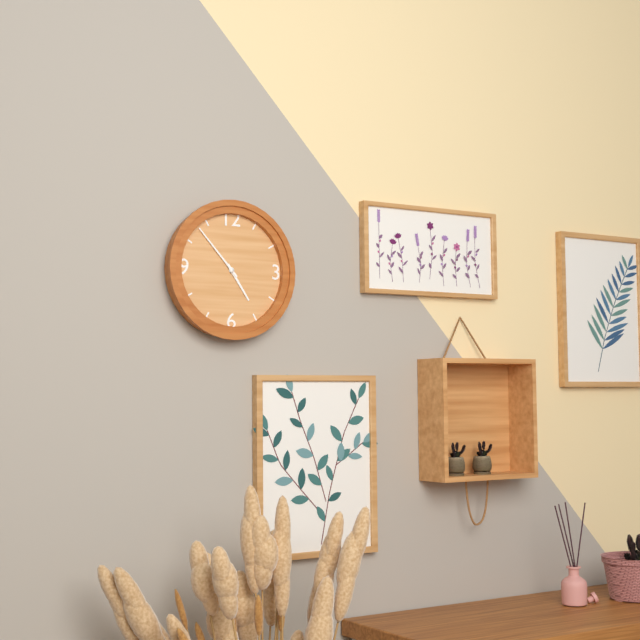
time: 4:53
